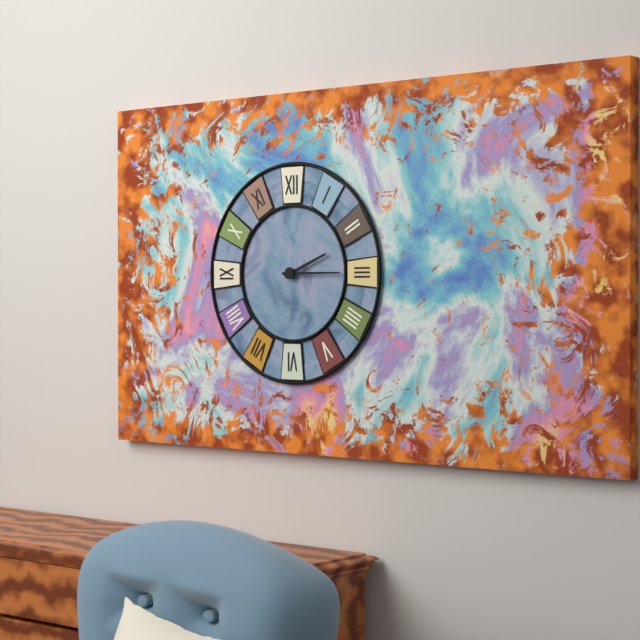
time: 2:15
